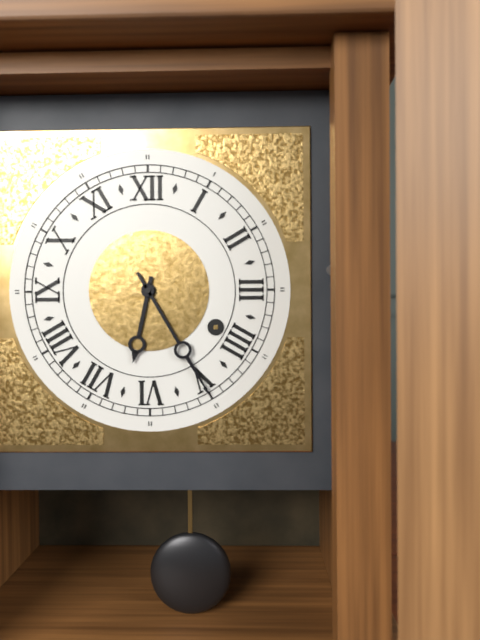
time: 6:25
